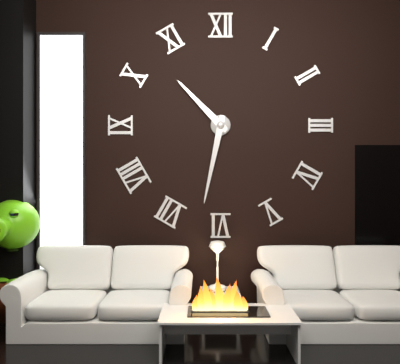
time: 10:32
